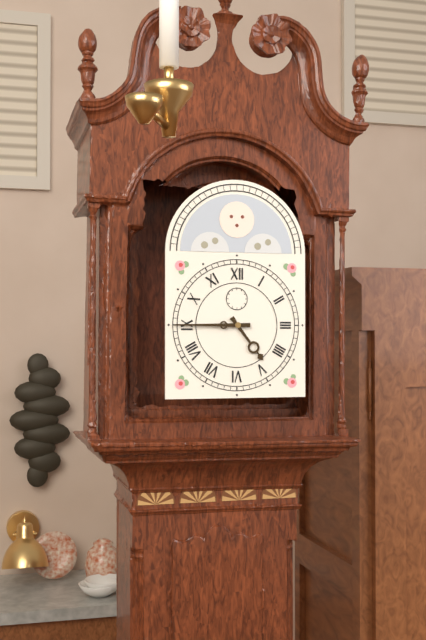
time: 4:45
